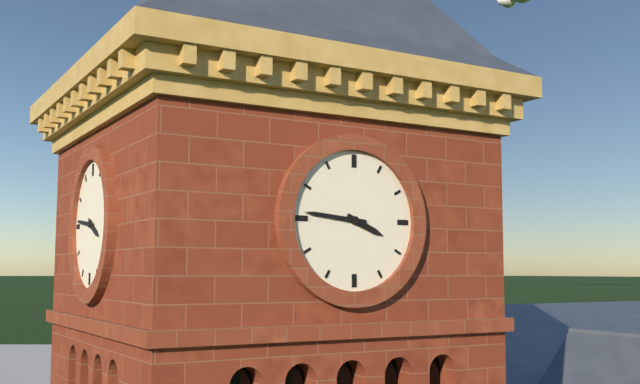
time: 3:46
